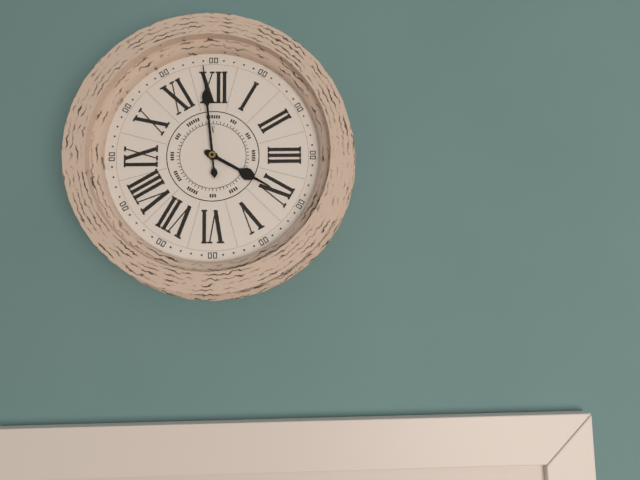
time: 3:59
